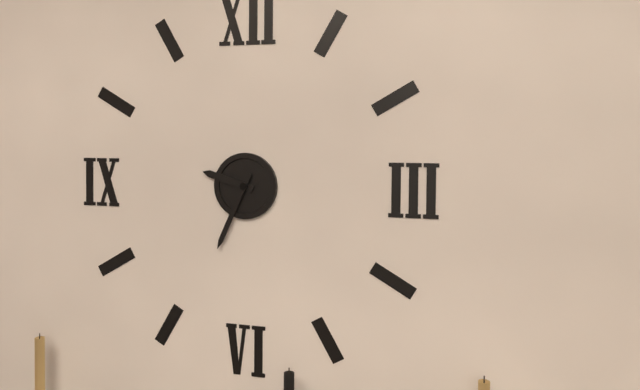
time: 9:34
